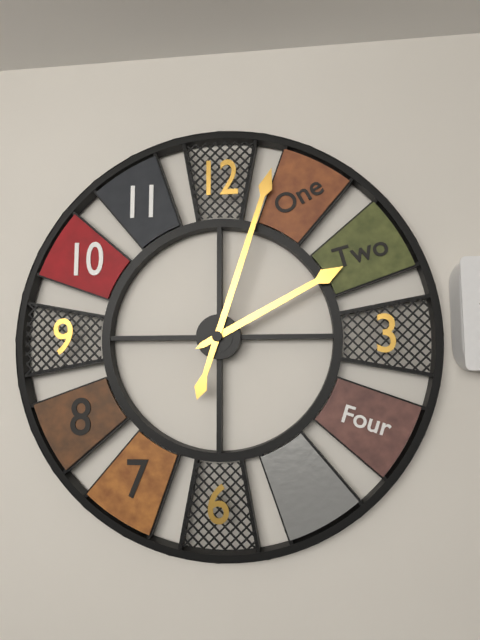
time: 2:03
